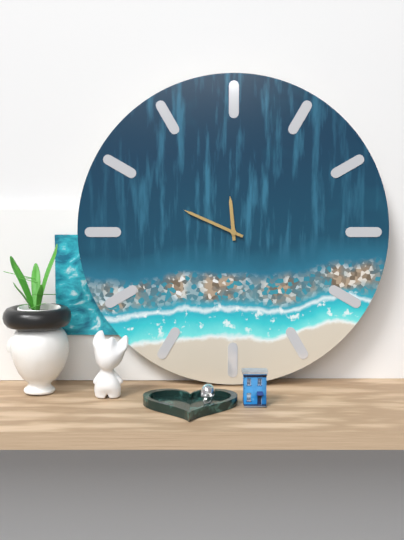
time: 11:49
